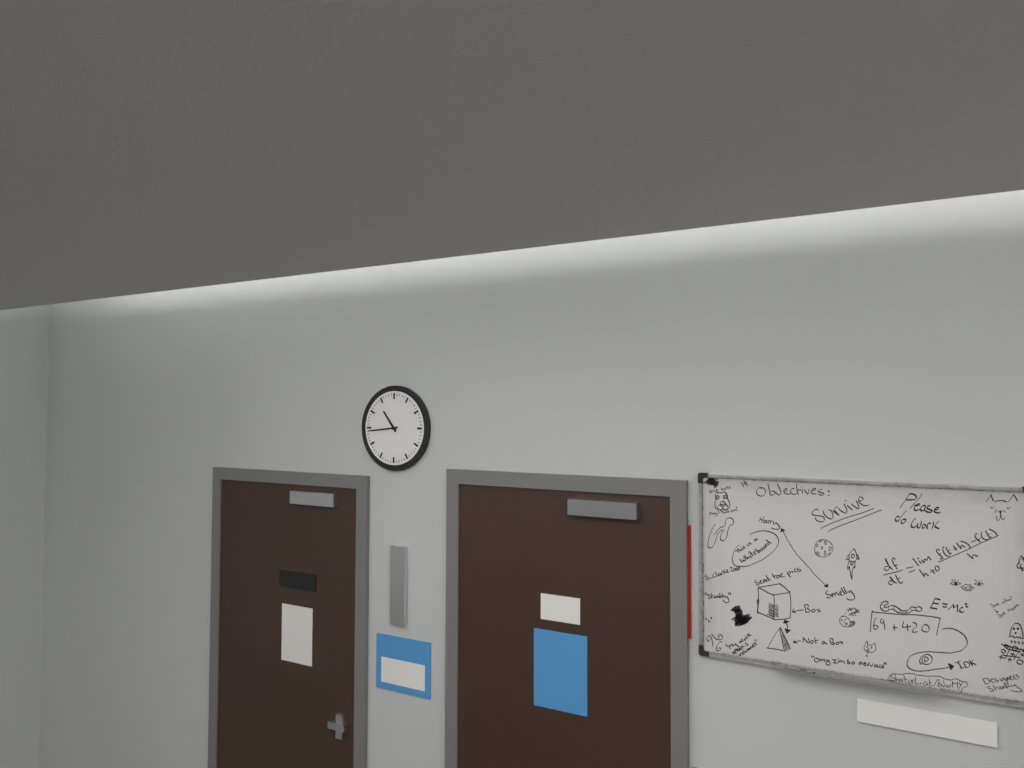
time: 10:44
